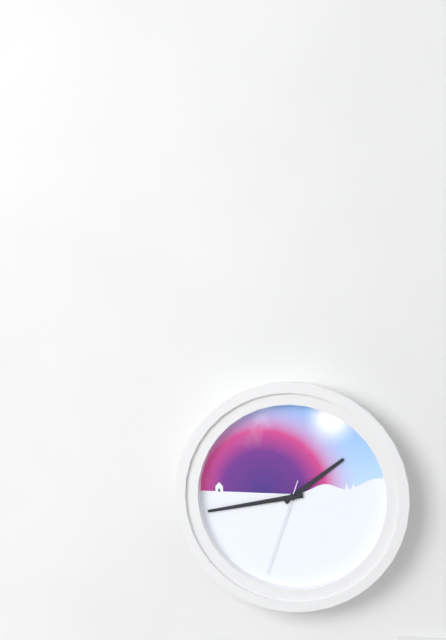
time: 1:43:33
